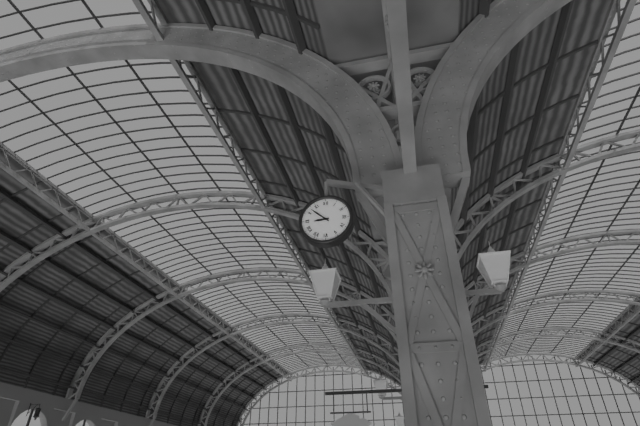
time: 8:52
